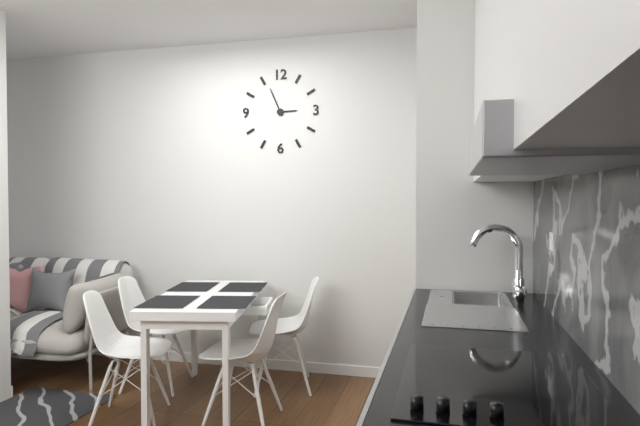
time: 2:56
